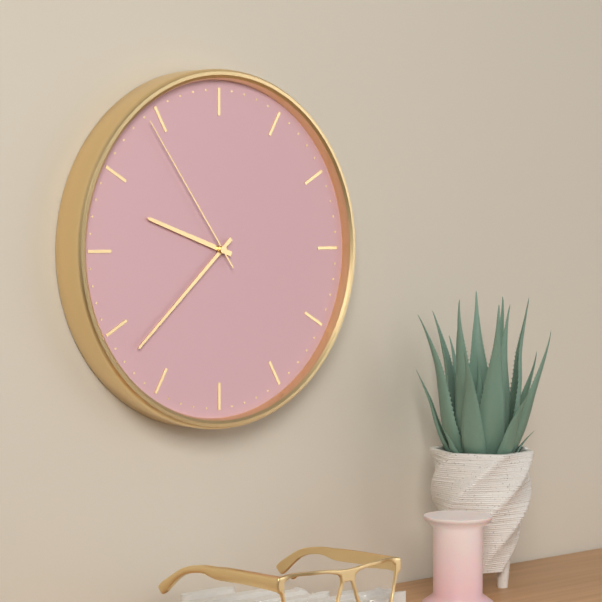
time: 9:38:54
